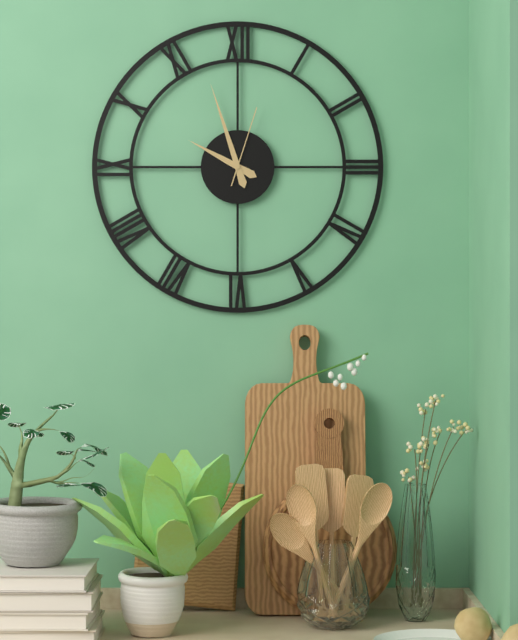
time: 9:57:03
